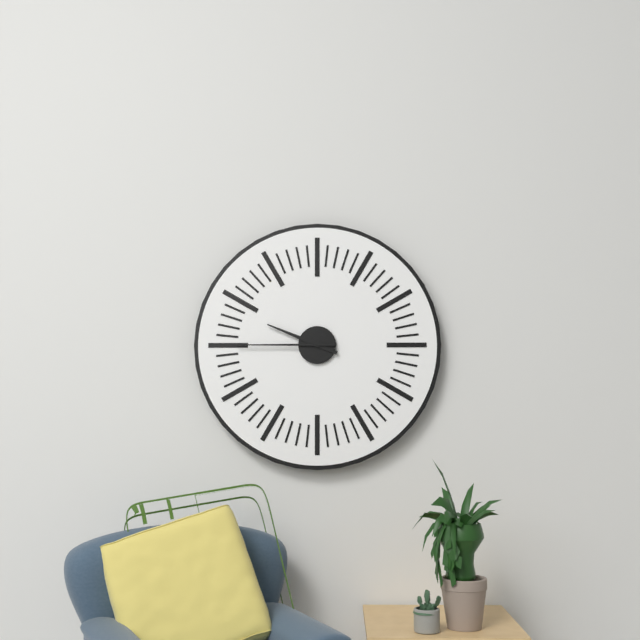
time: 9:45
